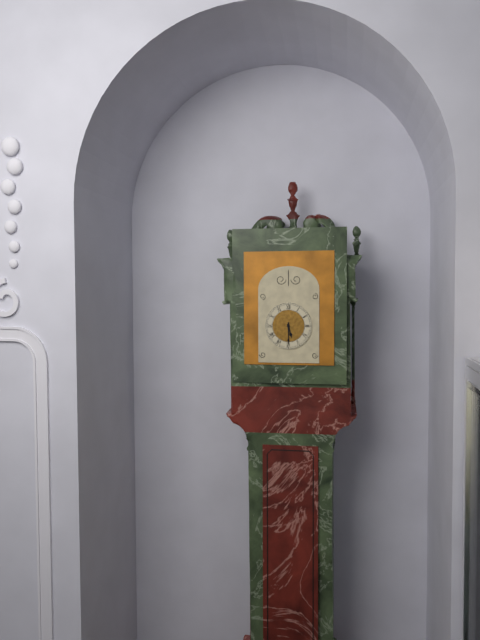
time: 5:30
